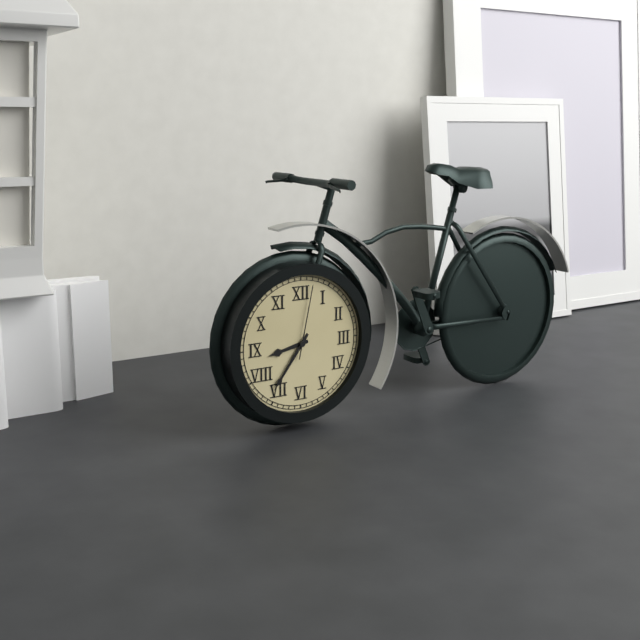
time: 8:36:02
